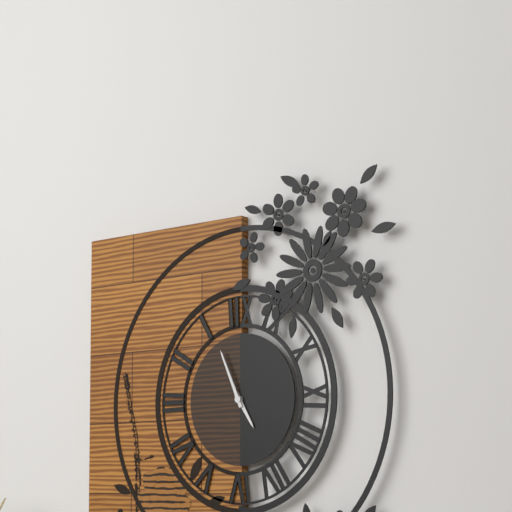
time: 4:56
